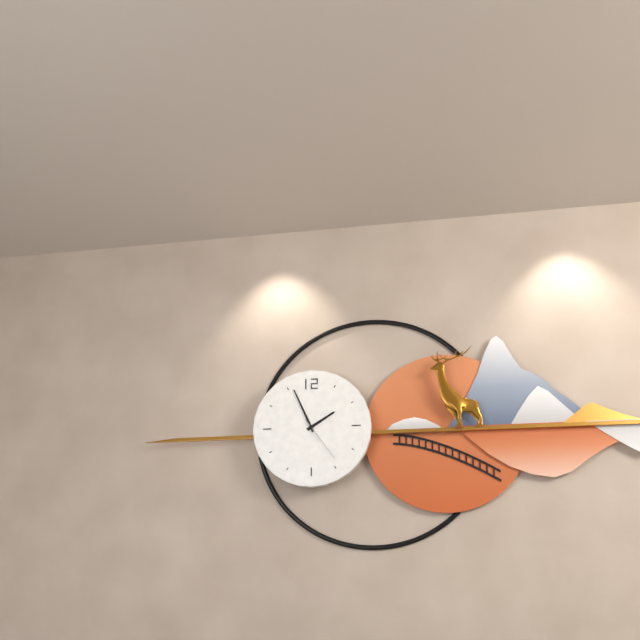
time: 1:56
